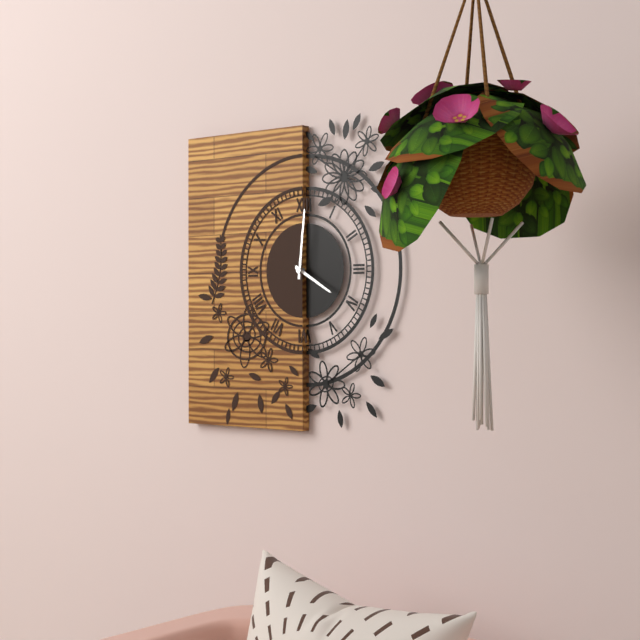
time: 4:01
